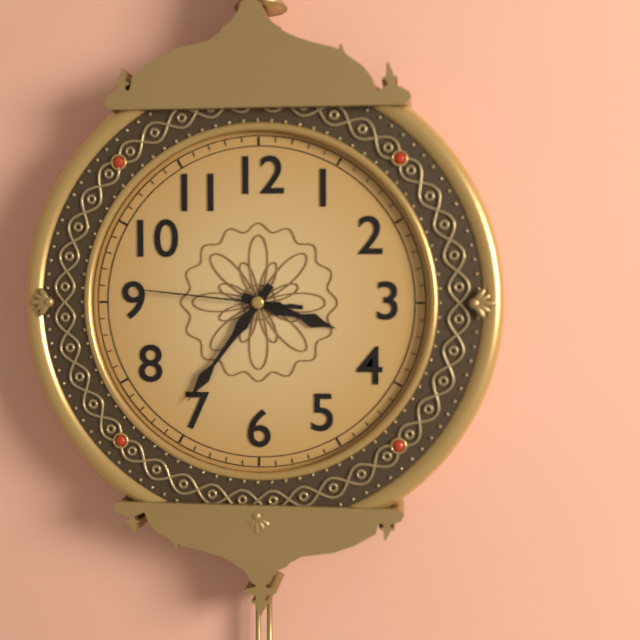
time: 3:36:46
